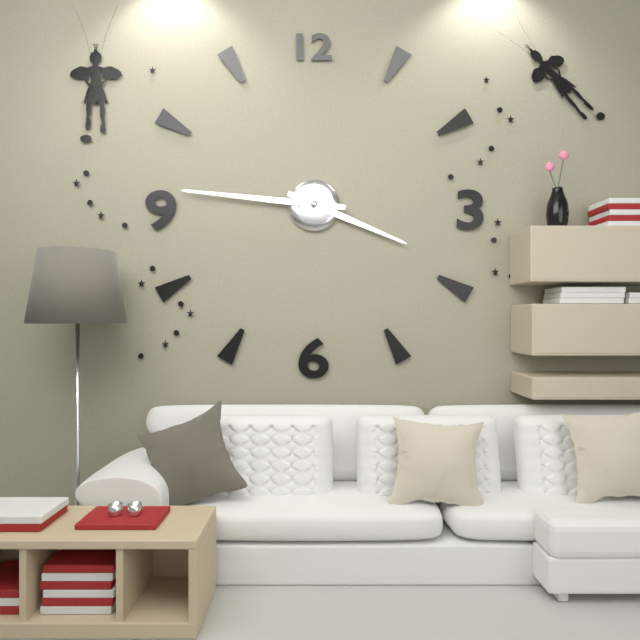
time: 3:46
